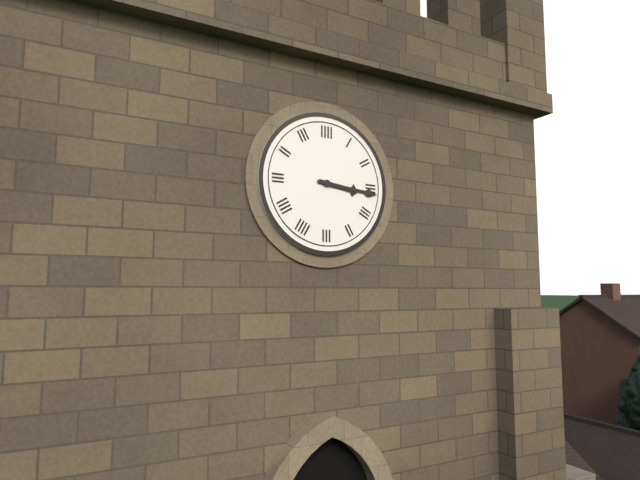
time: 3:16
